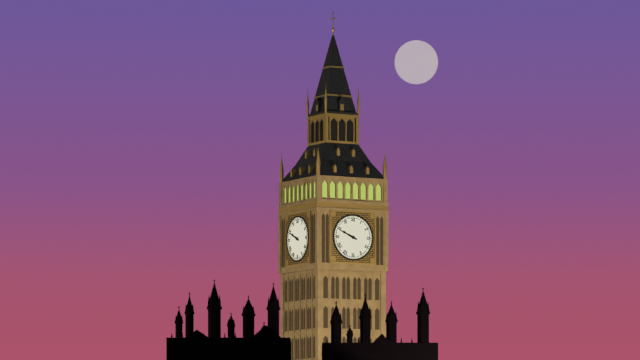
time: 9:49
